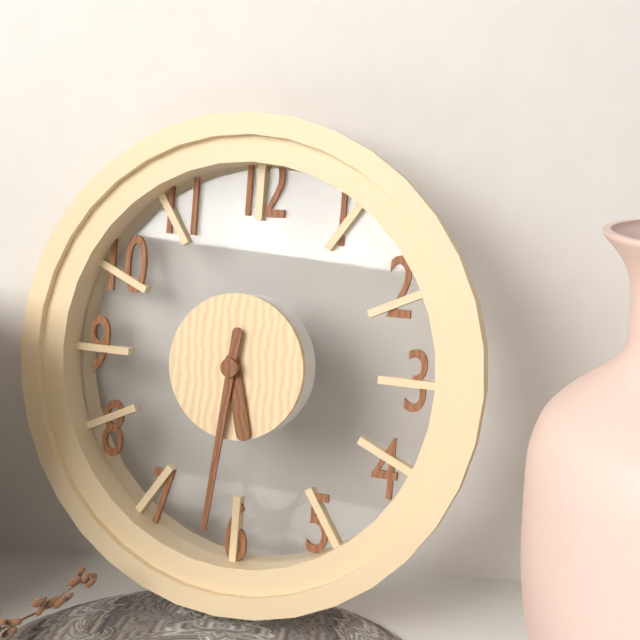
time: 5:31
